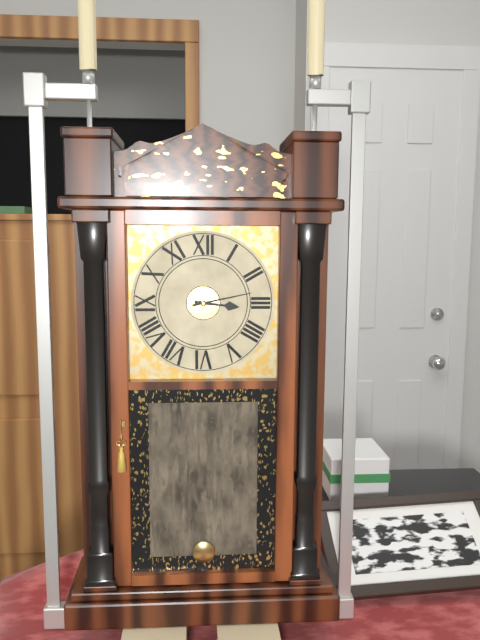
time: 3:13
